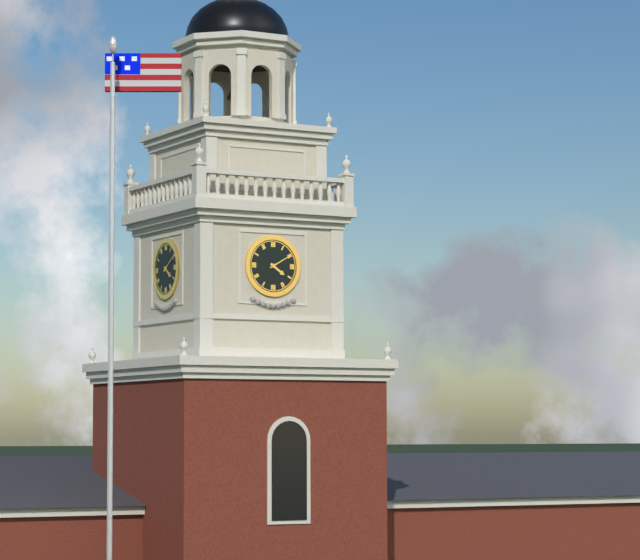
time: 4:10
